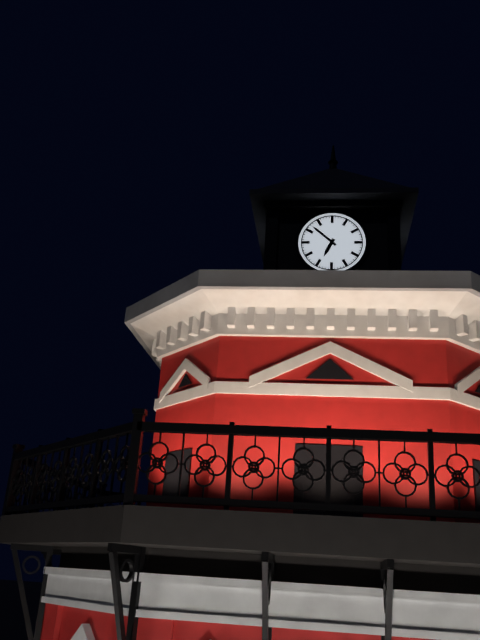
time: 6:52
